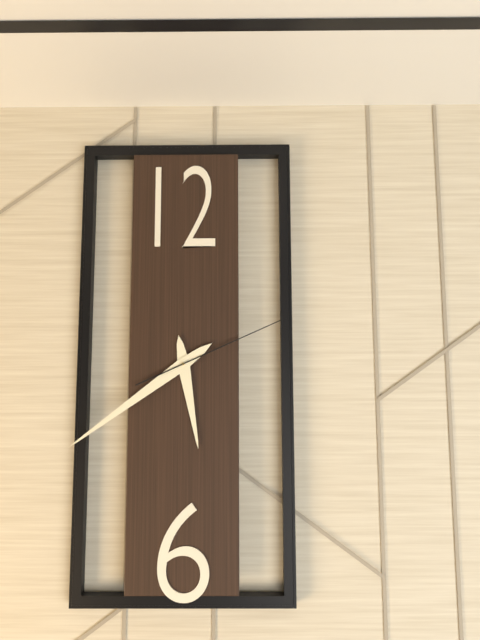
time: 5:39:11
